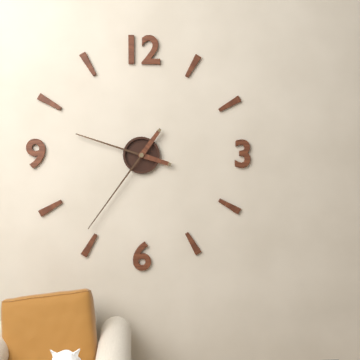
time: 9:36
